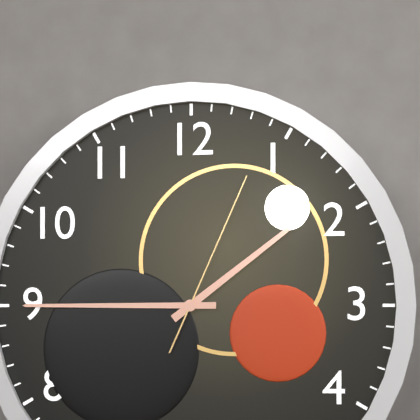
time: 1:45:04
